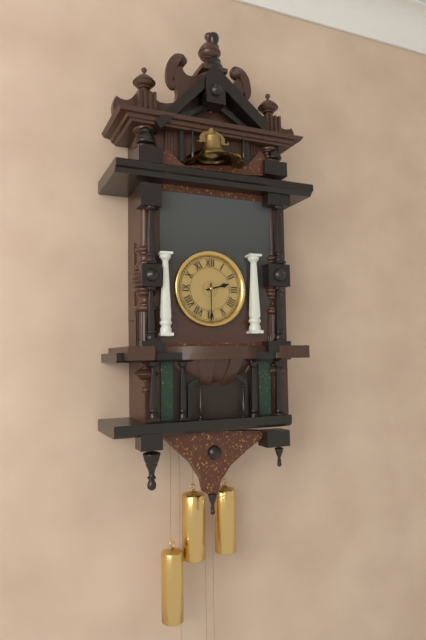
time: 2:30
